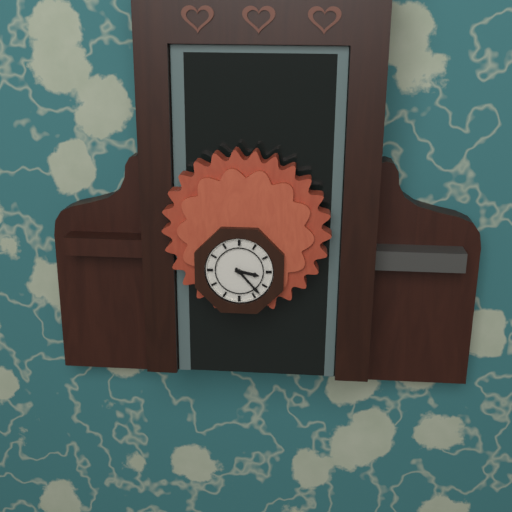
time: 3:23
